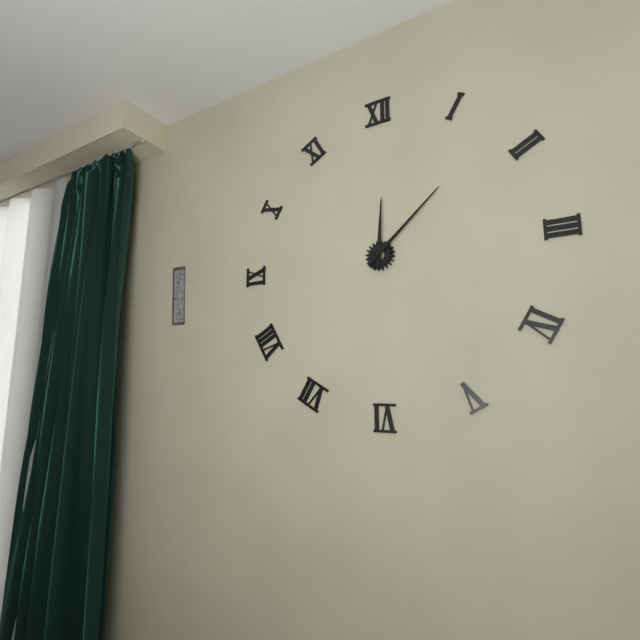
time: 12:08
